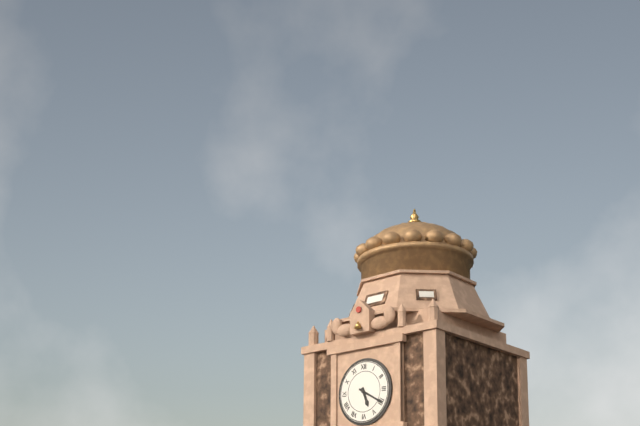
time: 5:20
